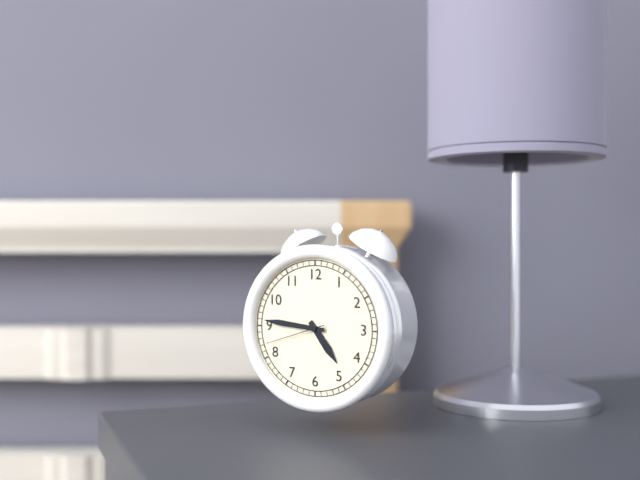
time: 4:46:42
